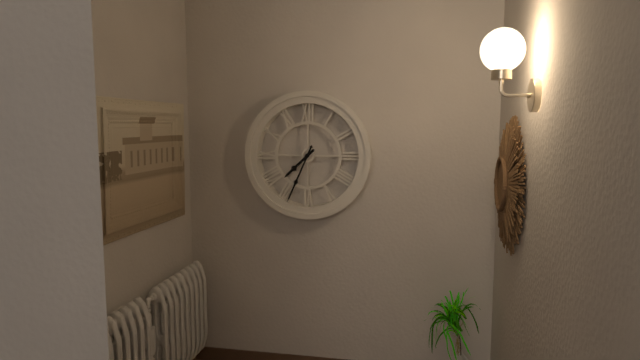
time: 7:34
